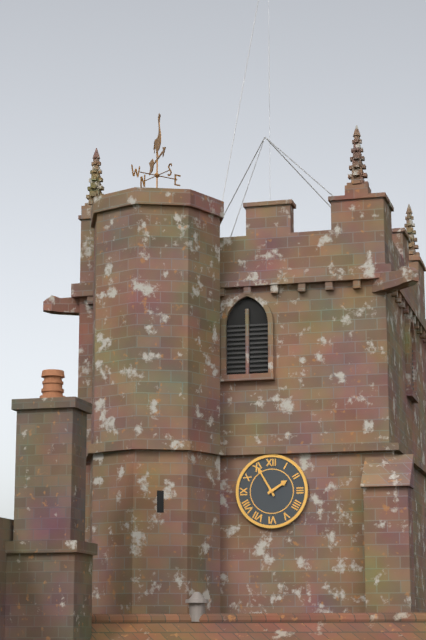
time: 1:55
